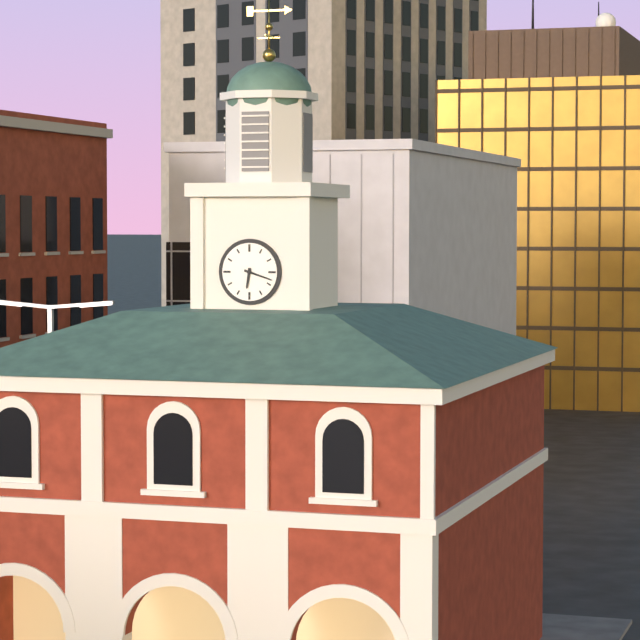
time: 6:18
